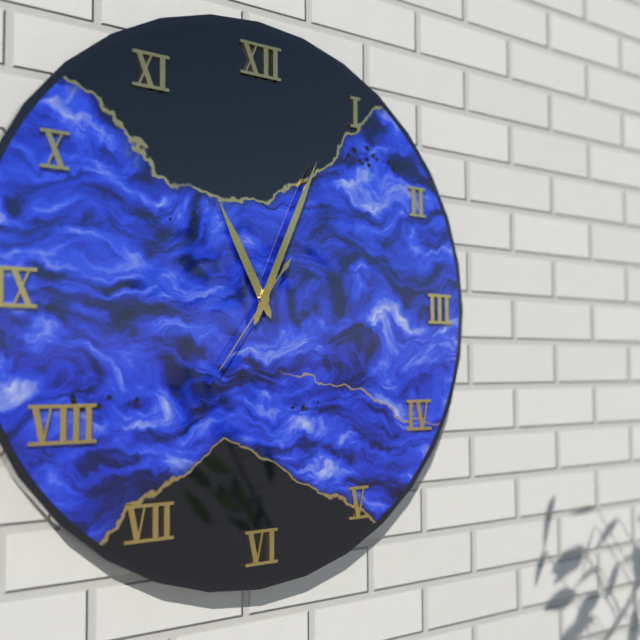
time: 11:04:36
